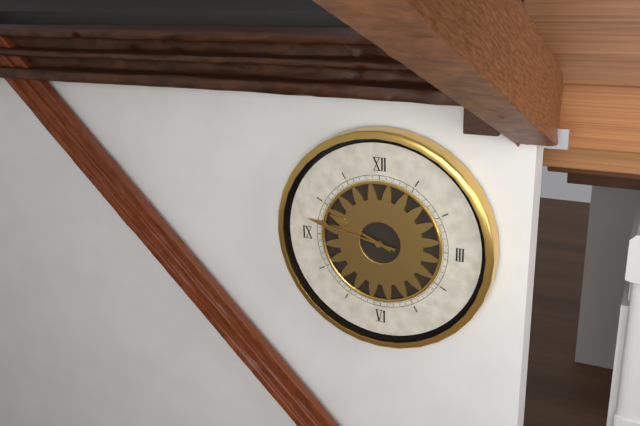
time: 9:47
